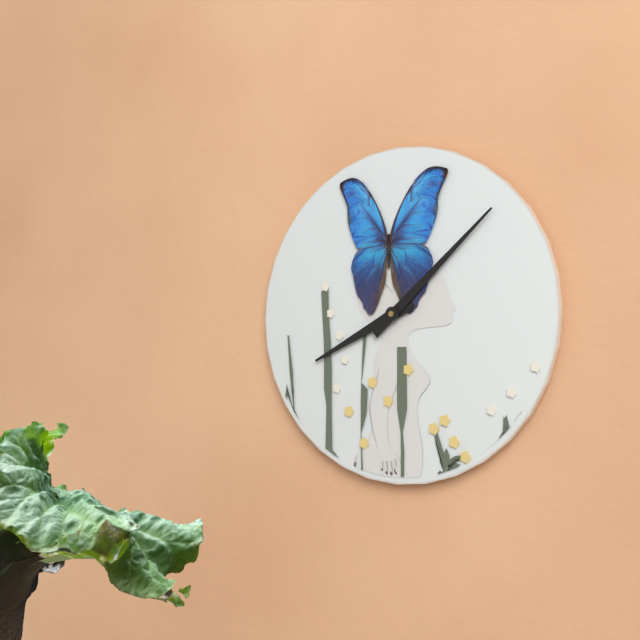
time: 8:08
